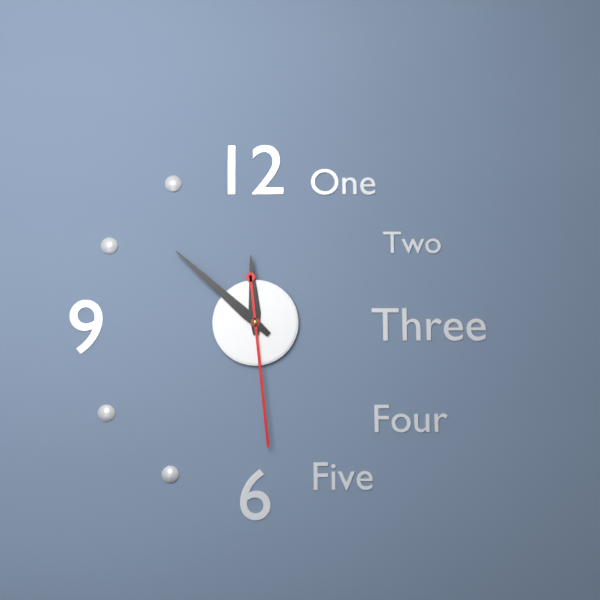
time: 11:52:29
